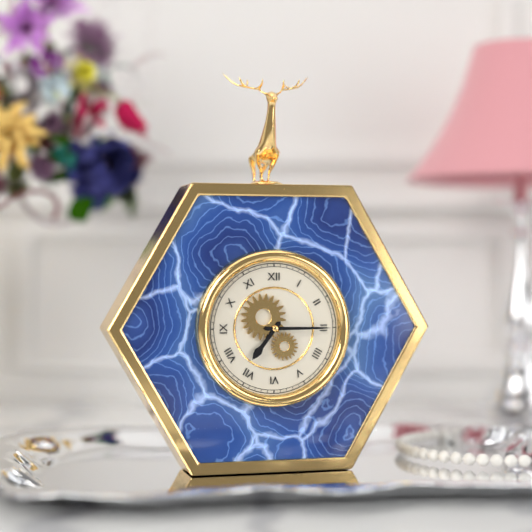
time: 7:15
